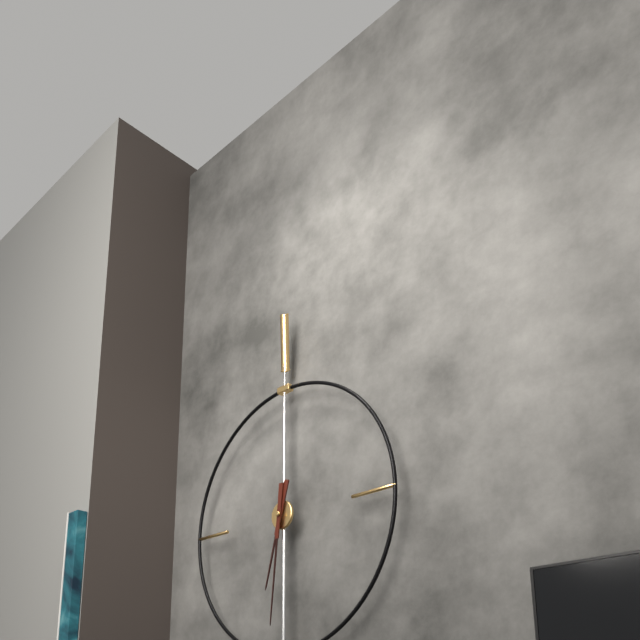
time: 6:31
